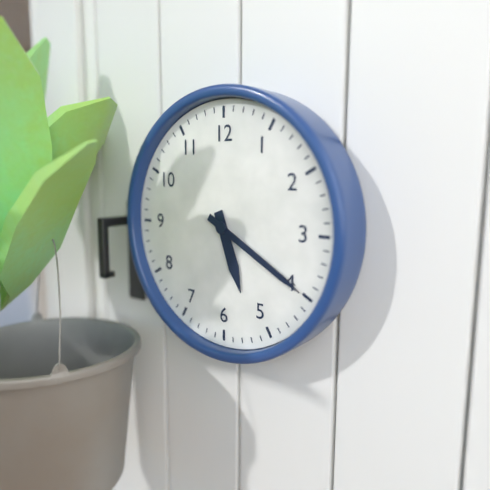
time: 5:20
